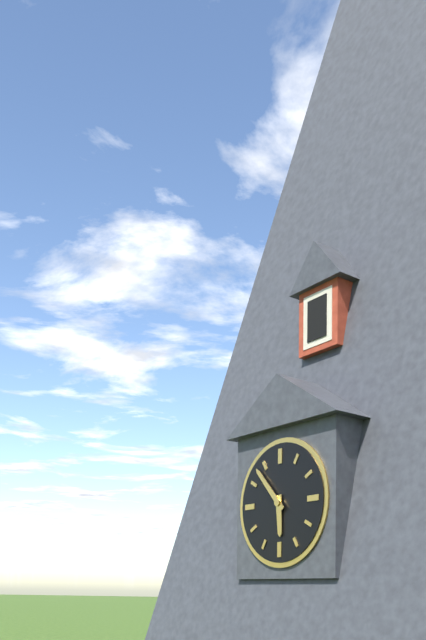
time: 5:53
